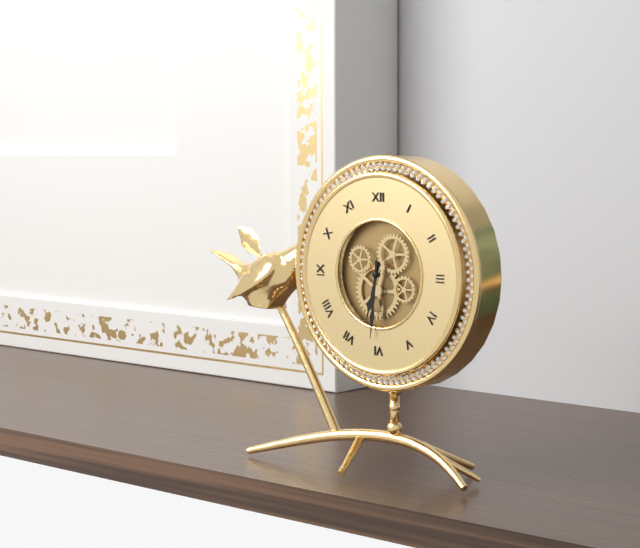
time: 6:31
